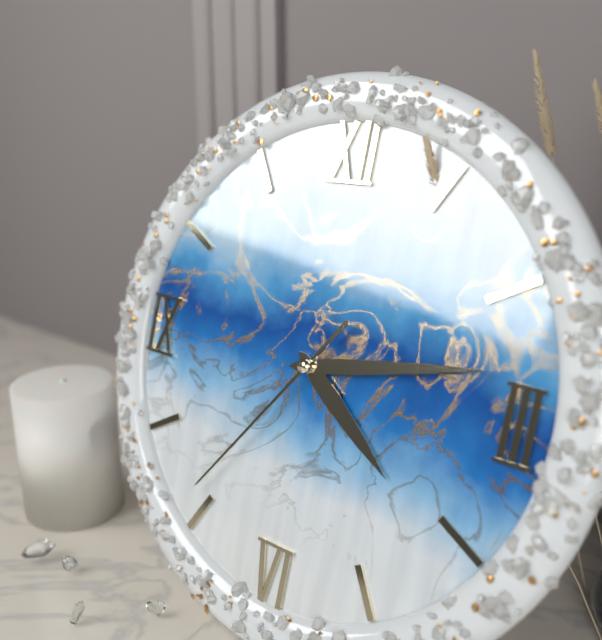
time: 4:13:36
